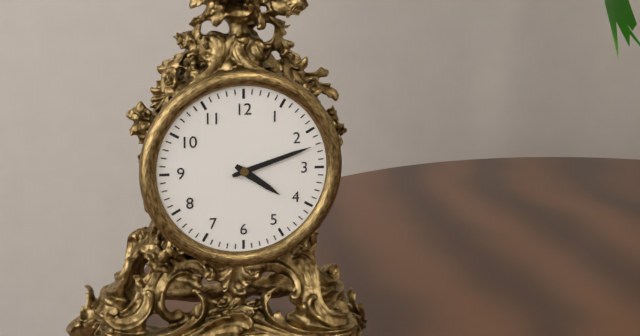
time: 4:12
